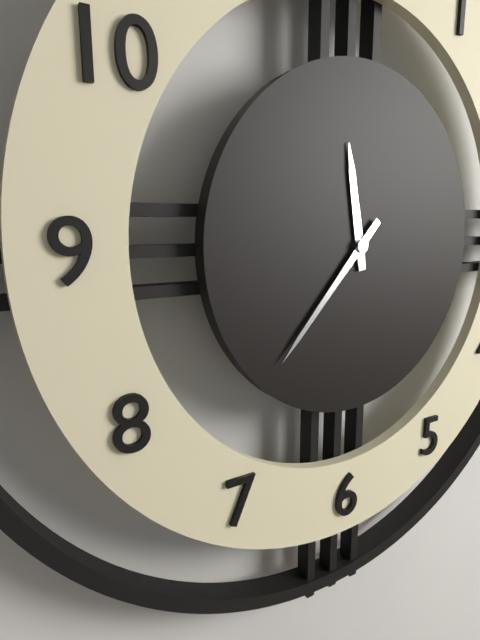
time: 11:37
